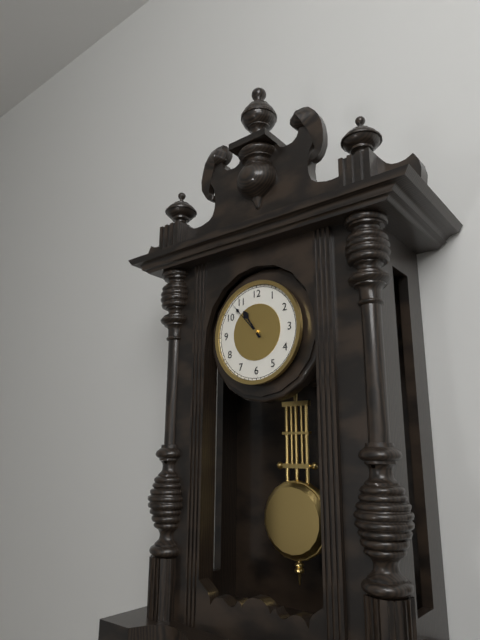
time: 10:53
